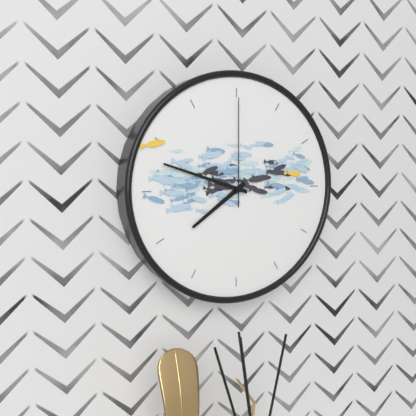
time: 7:48:00
